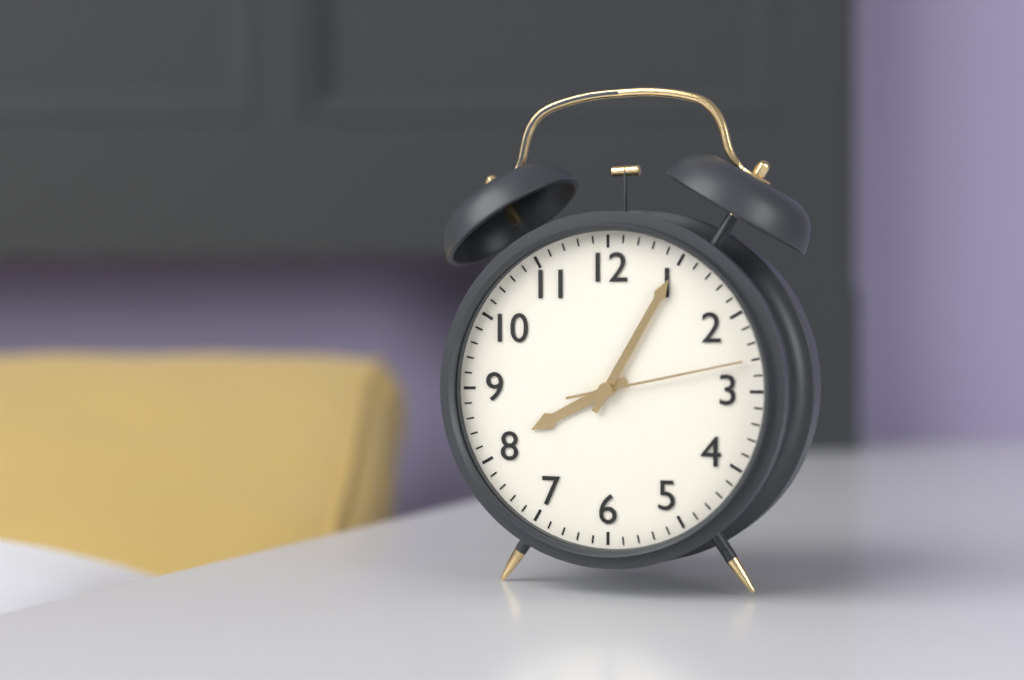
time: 8:05:13
